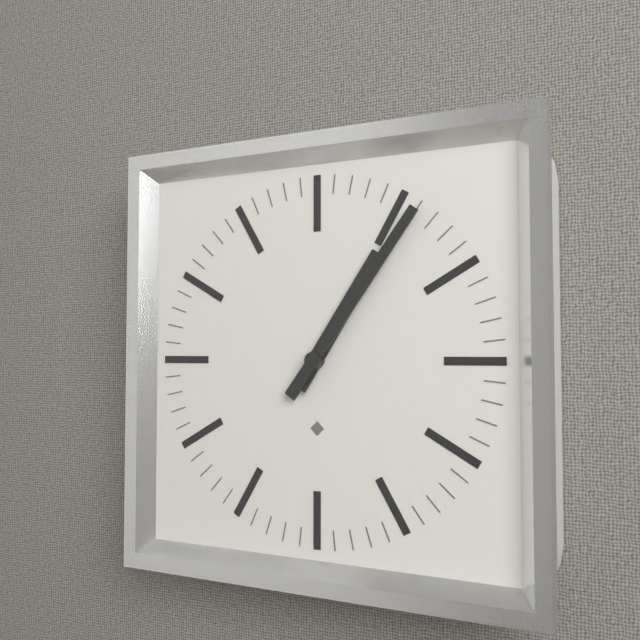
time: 1:06
